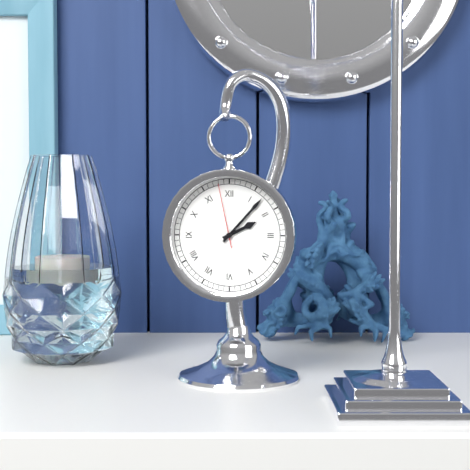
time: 2:07:58
